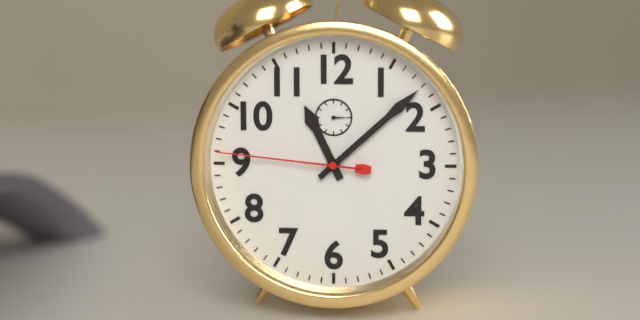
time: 11:08:46
